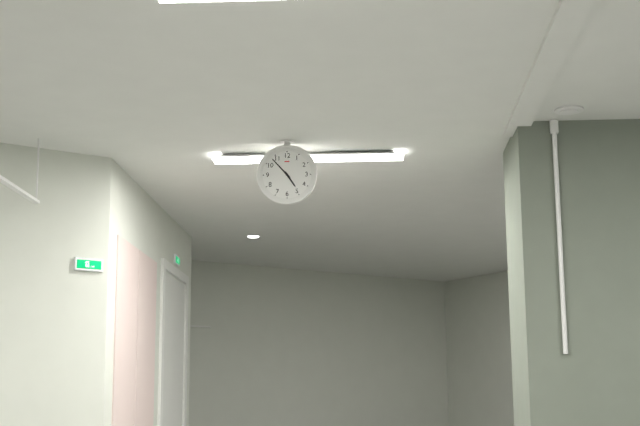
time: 4:53
